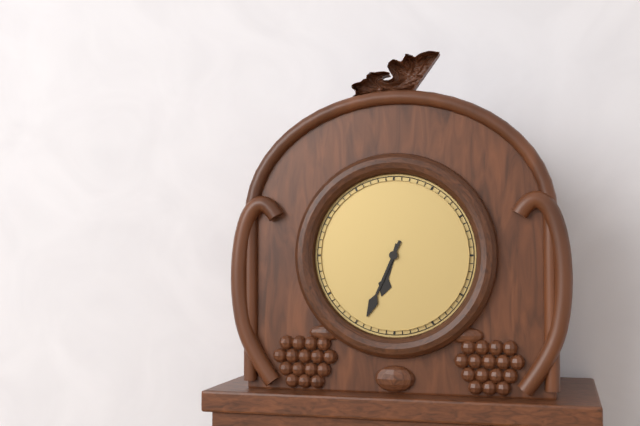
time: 6:34
